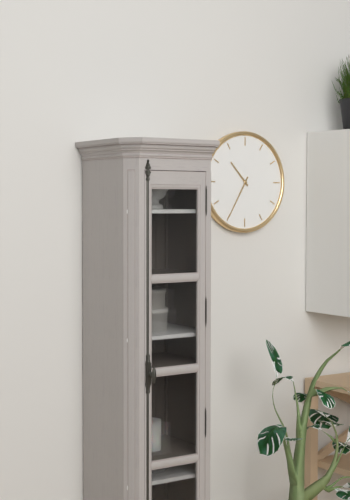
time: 10:35
